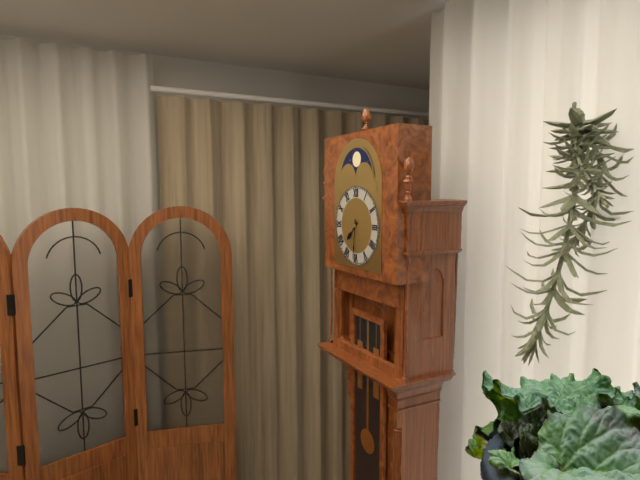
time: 7:31
